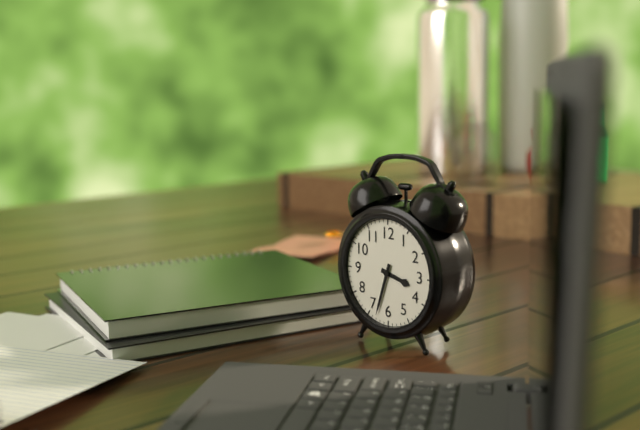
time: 3:33
